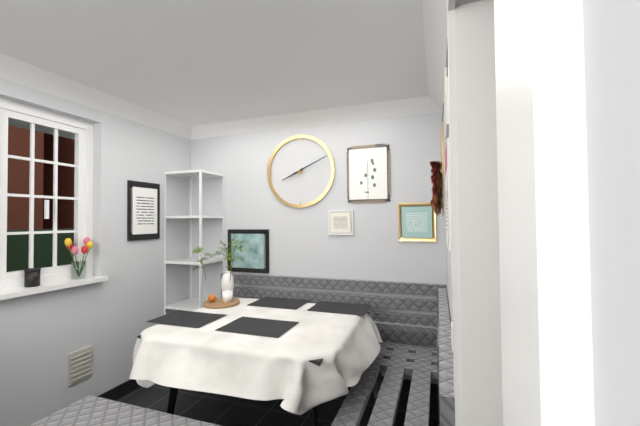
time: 8:11
